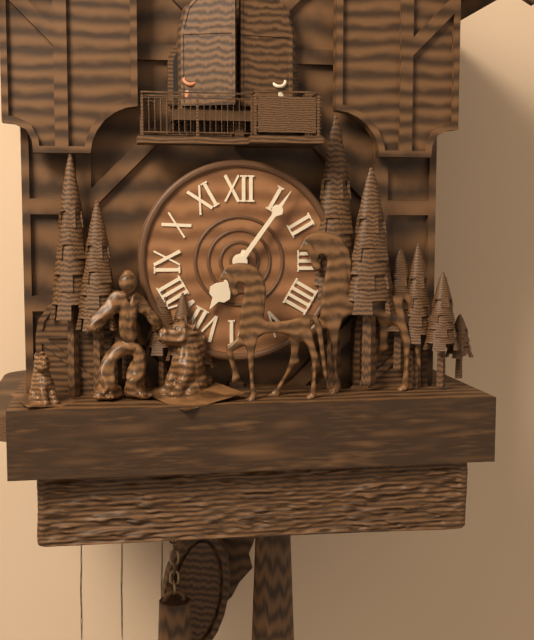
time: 7:06
